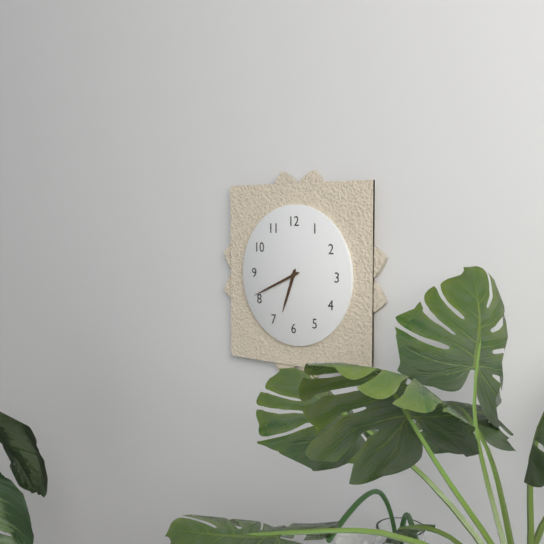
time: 6:41
